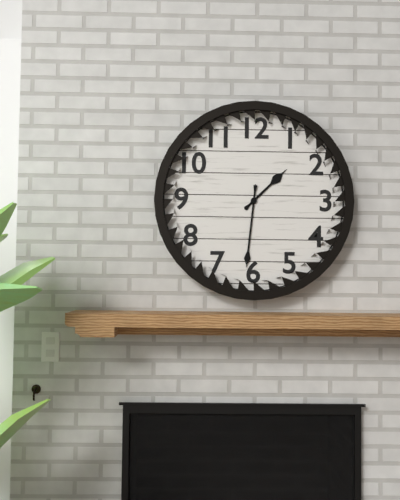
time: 1:31
